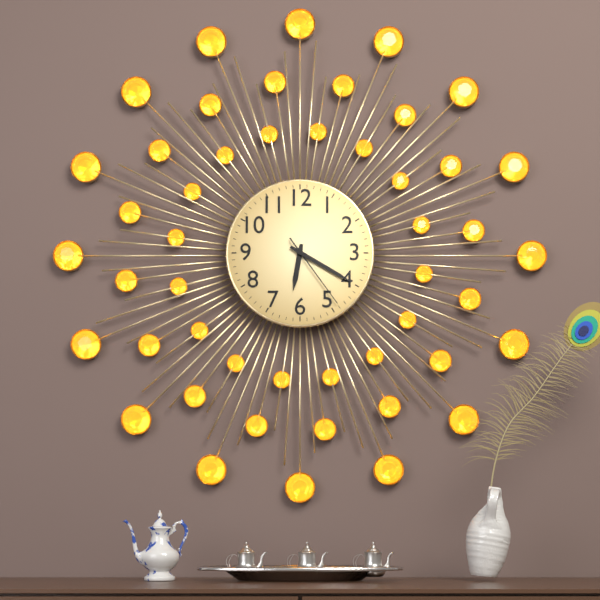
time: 6:20:24
